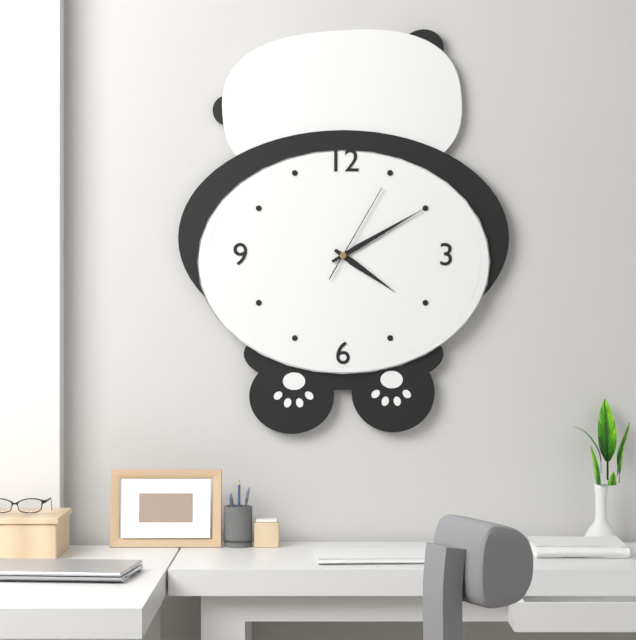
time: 4:10:05
